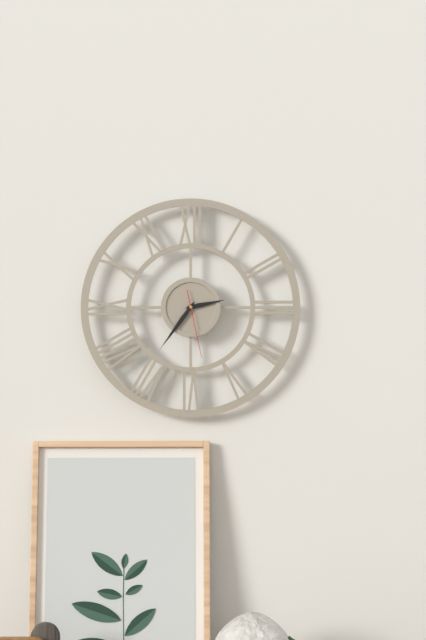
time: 2:36:28
